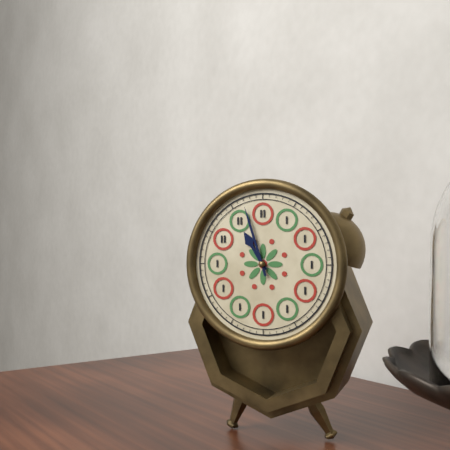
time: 10:57
